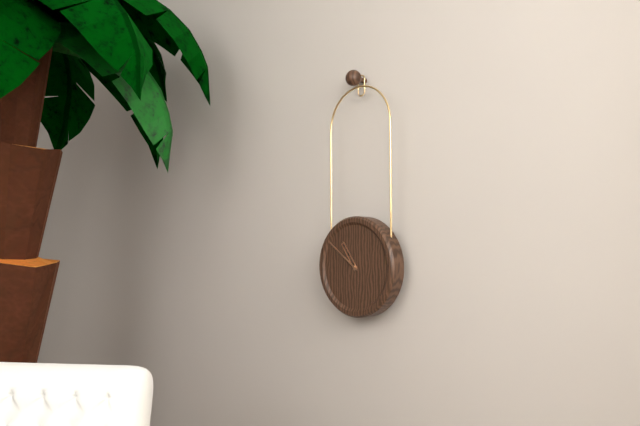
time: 10:51
